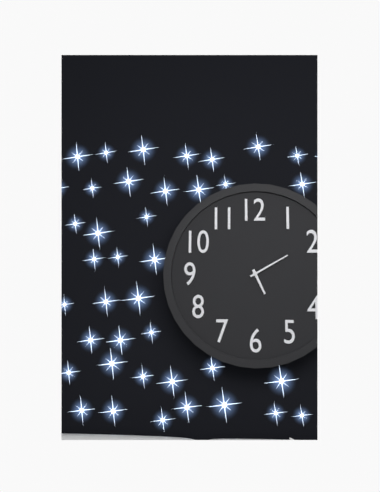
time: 5:10
